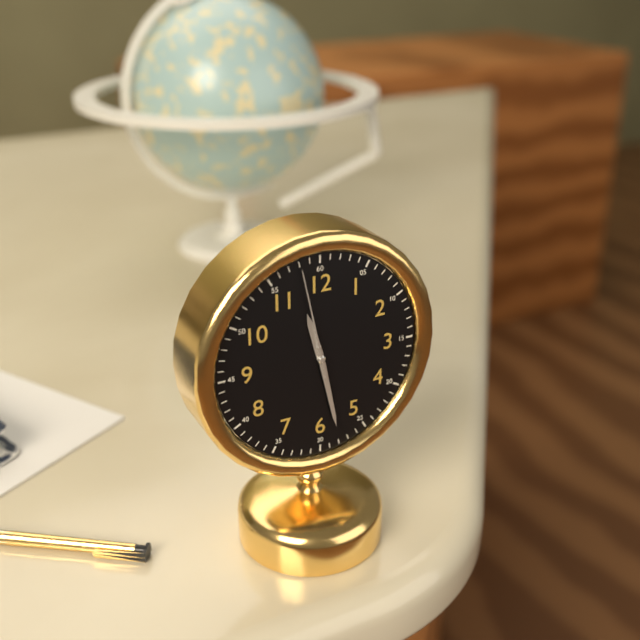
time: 11:28:58
